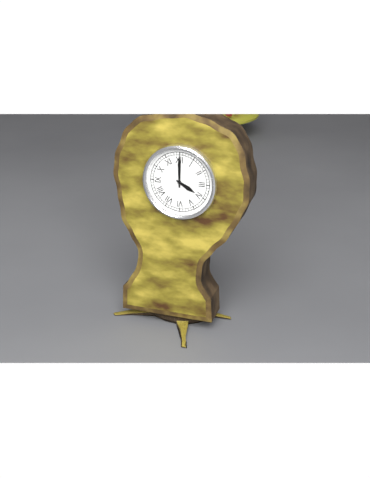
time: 4:00
